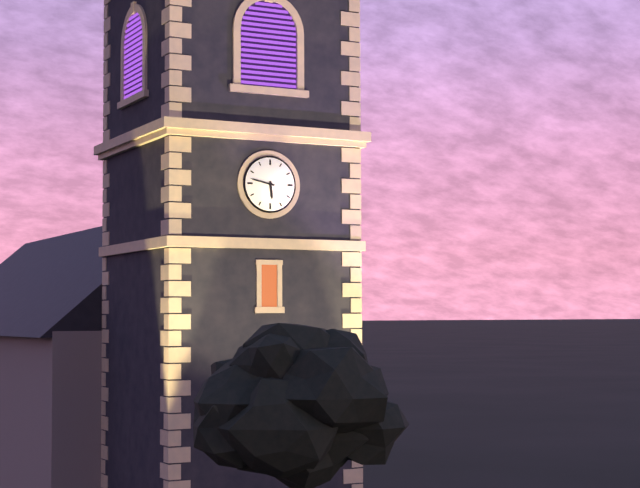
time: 5:47
